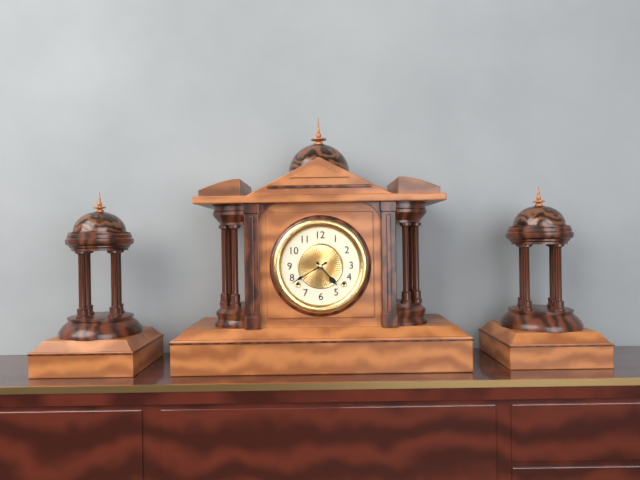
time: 4:40
